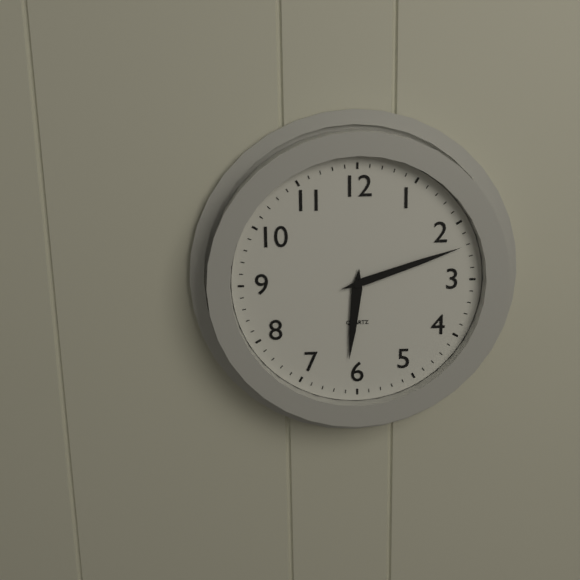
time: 6:12
